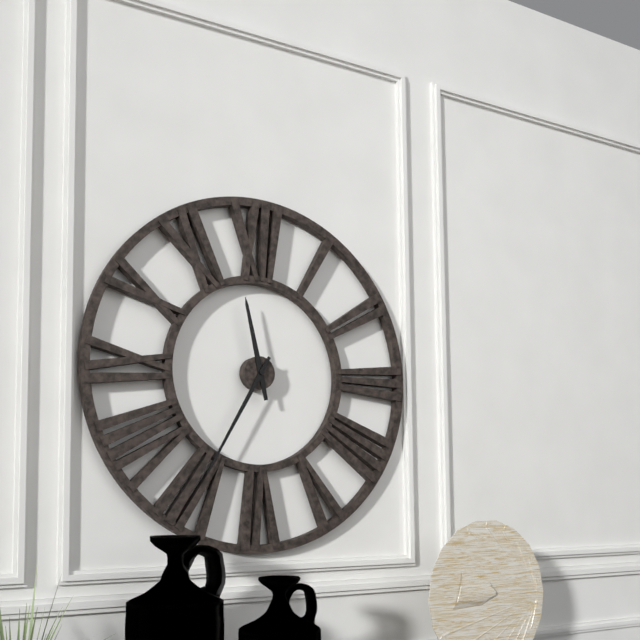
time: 11:35
